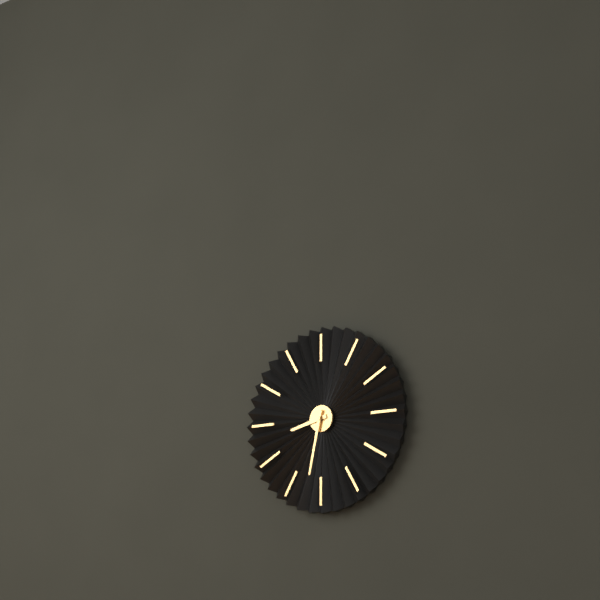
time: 8:32
